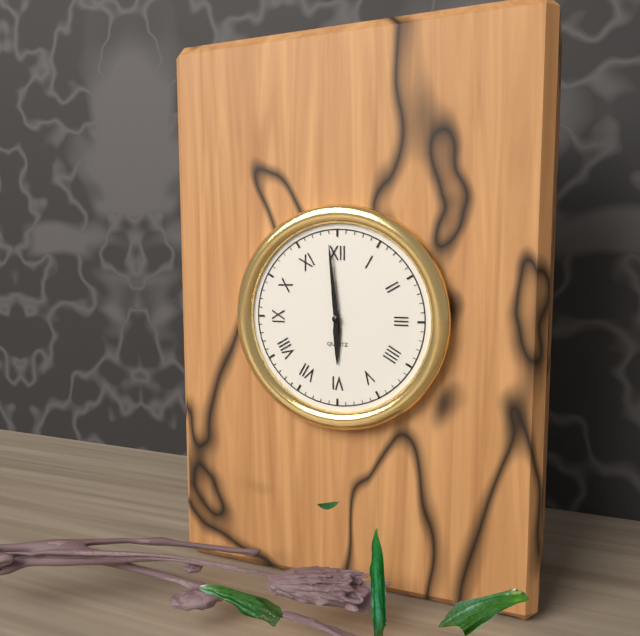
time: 5:59
